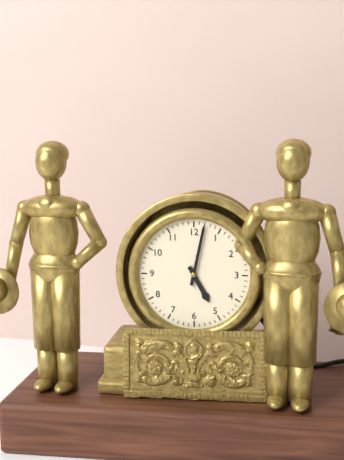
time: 5:02
